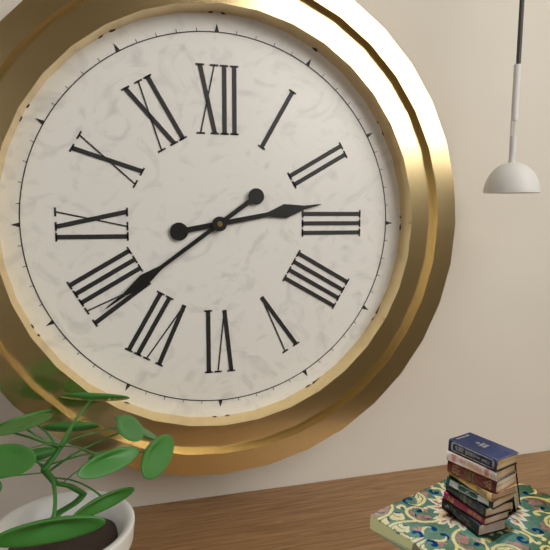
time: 2:39
